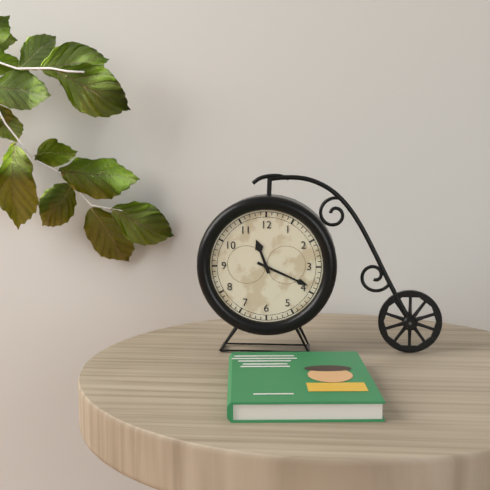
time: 11:19
